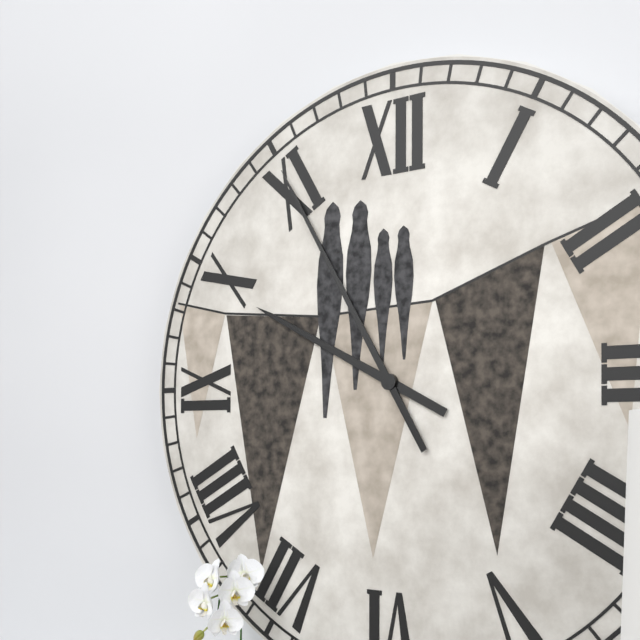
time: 9:55
